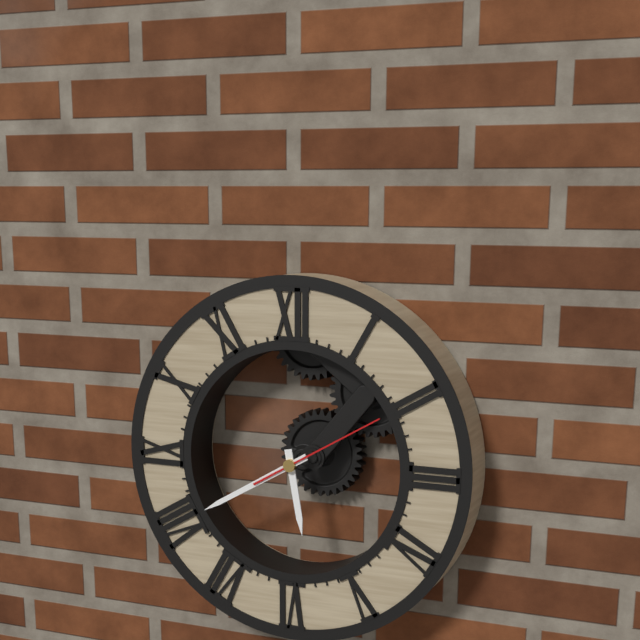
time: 5:40:10
